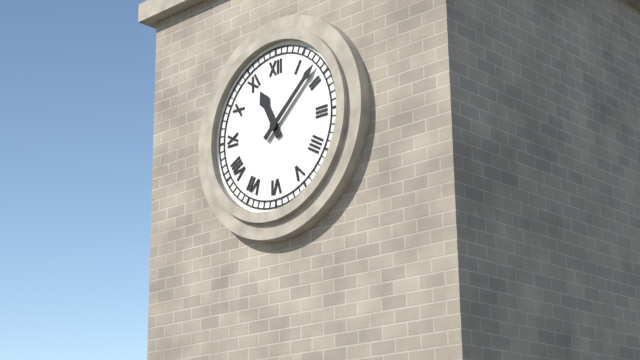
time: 11:08
